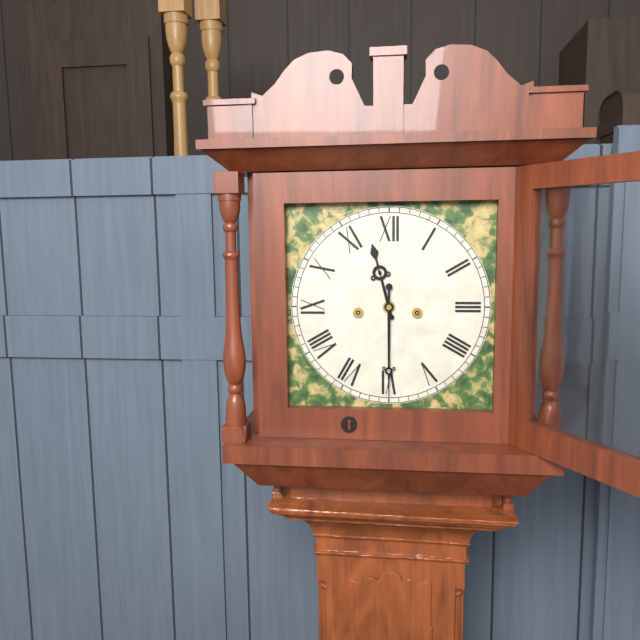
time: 11:30
